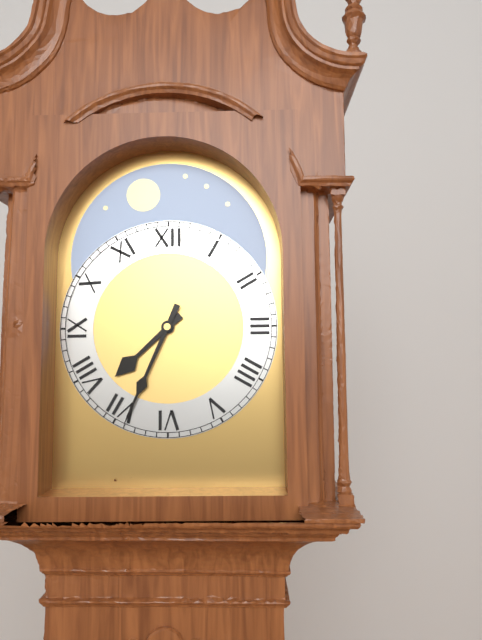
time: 7:34
